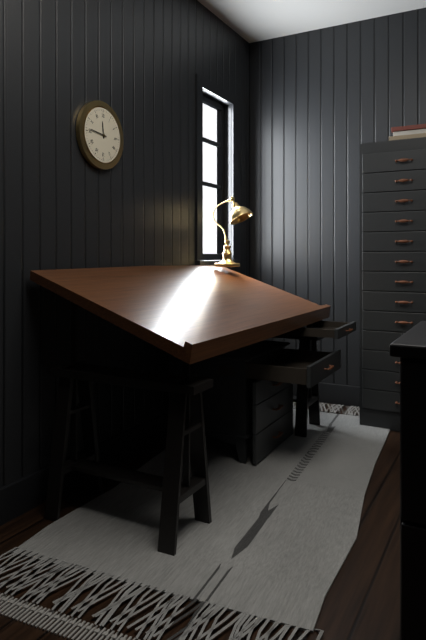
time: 11:46
